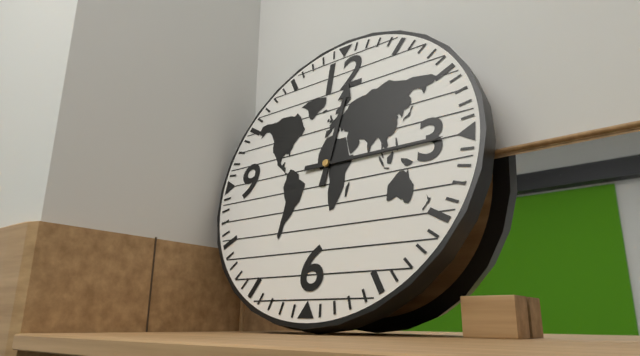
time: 12:15
